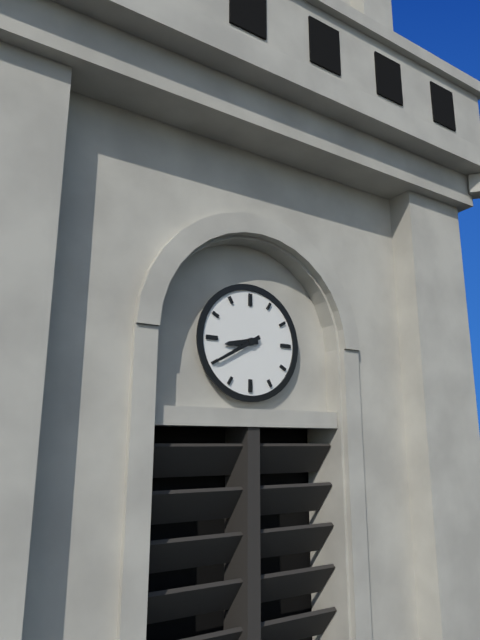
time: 8:40
